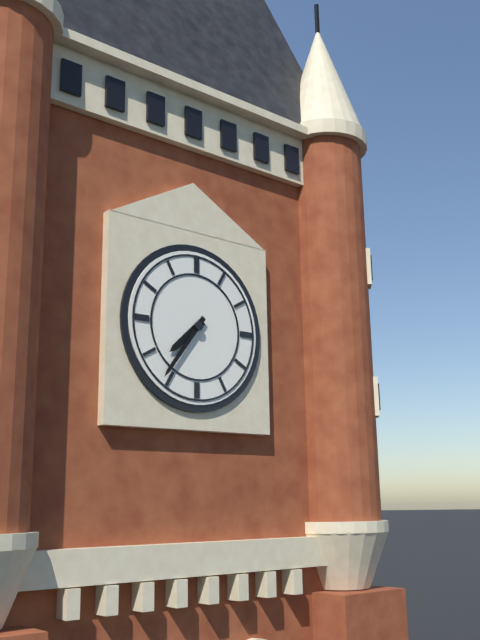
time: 7:36
